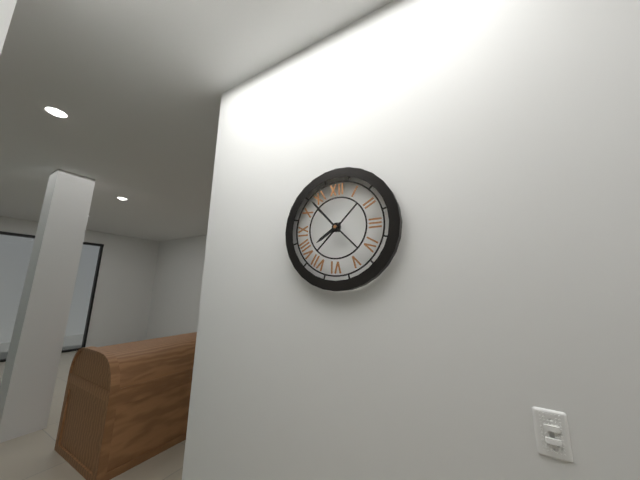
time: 7:53
